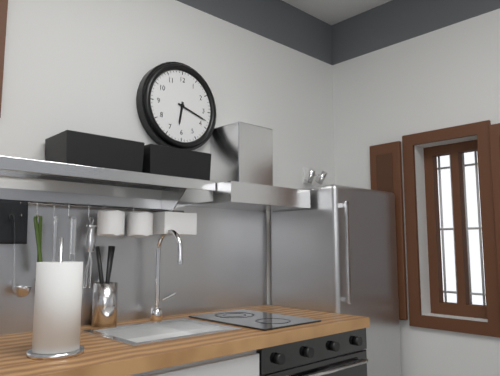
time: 6:18
